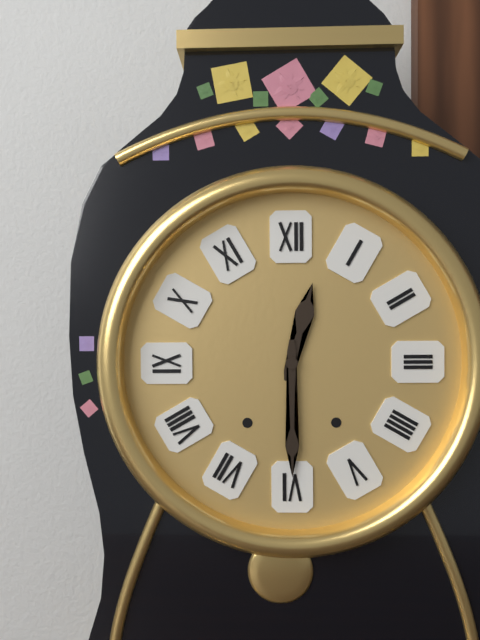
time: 12:30
